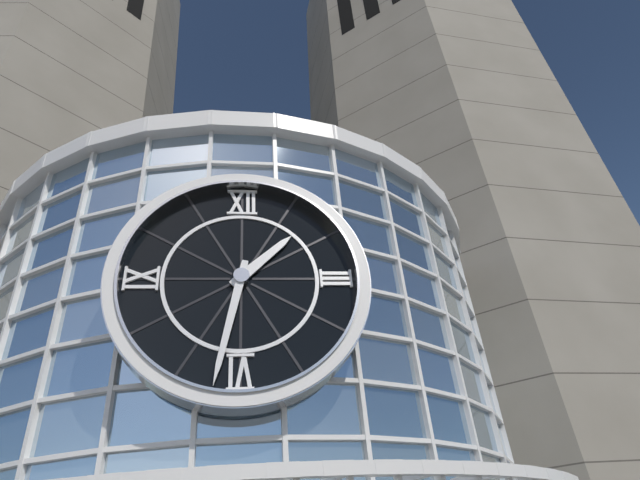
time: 1:32
